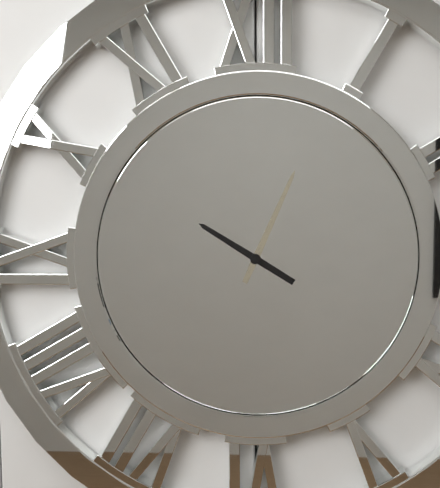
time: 10:04
